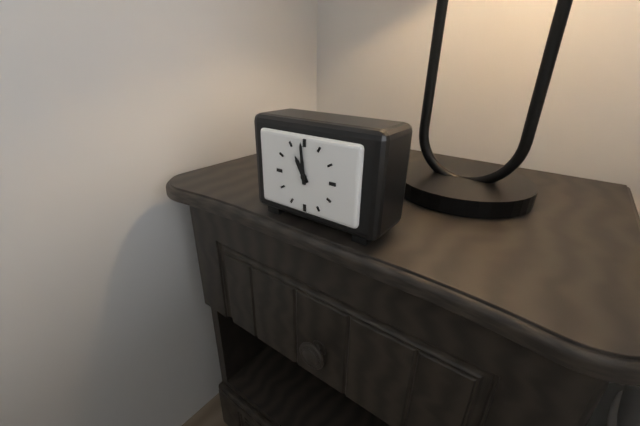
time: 10:59
